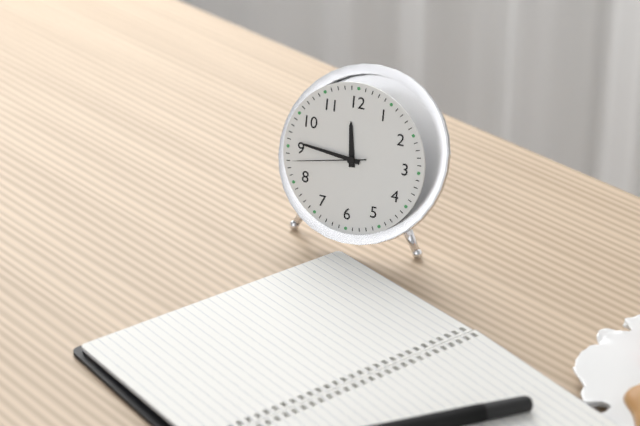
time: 11:46:43
